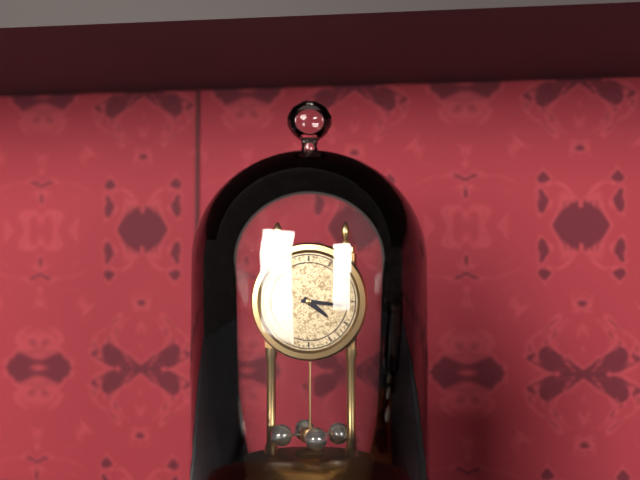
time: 4:16
